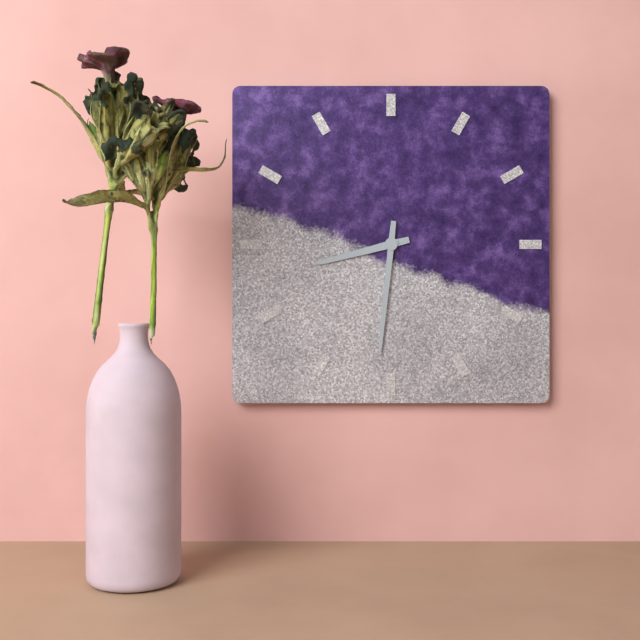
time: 8:31
